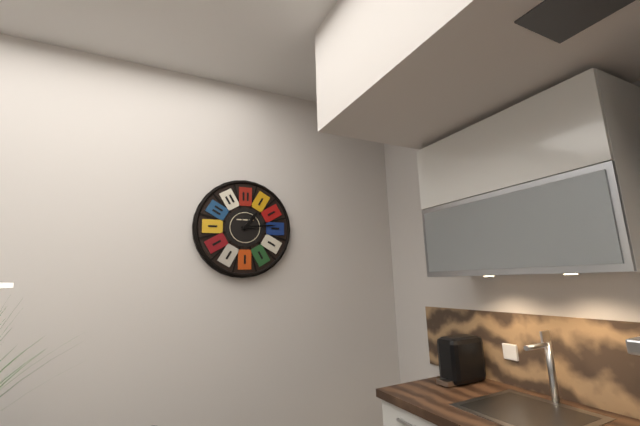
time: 1:14
